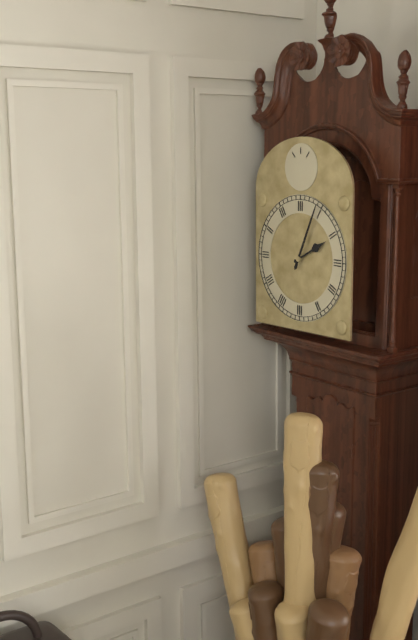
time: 2:04
